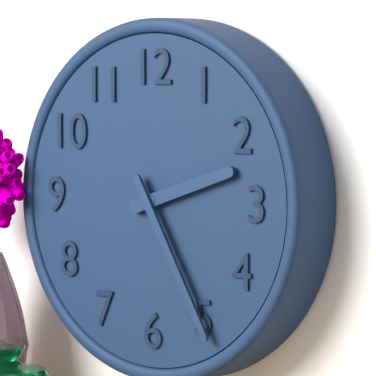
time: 2:25
